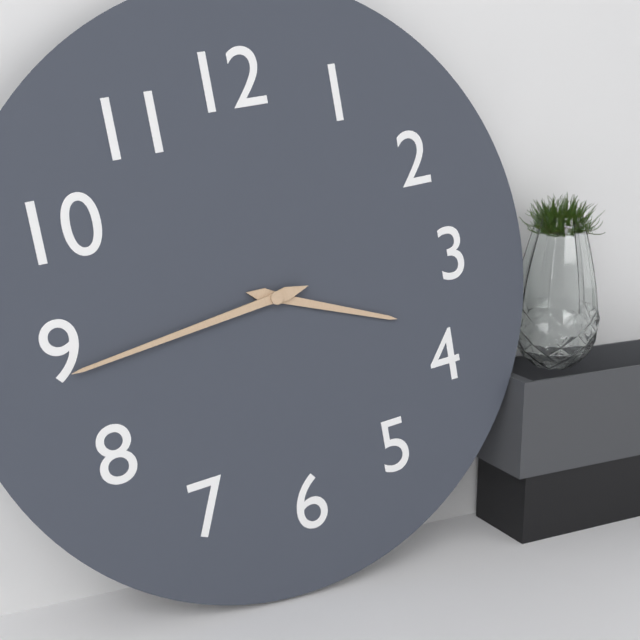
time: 3:44
